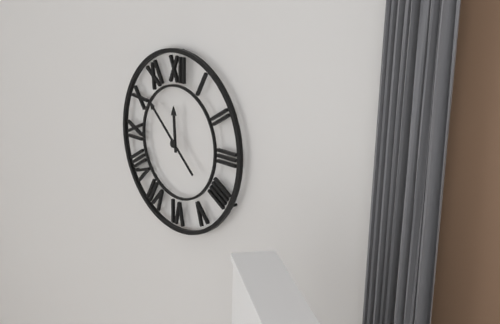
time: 11:52
